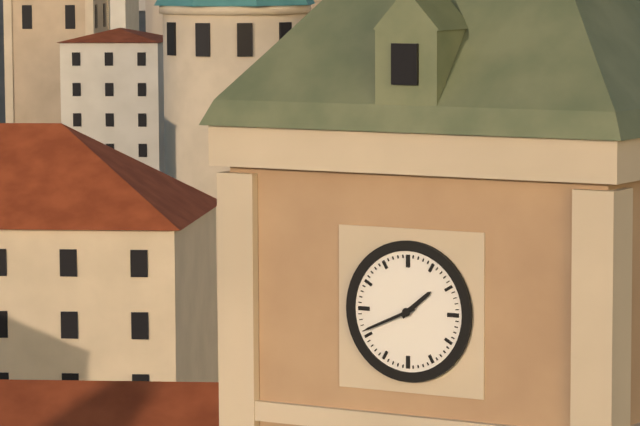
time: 1:41
